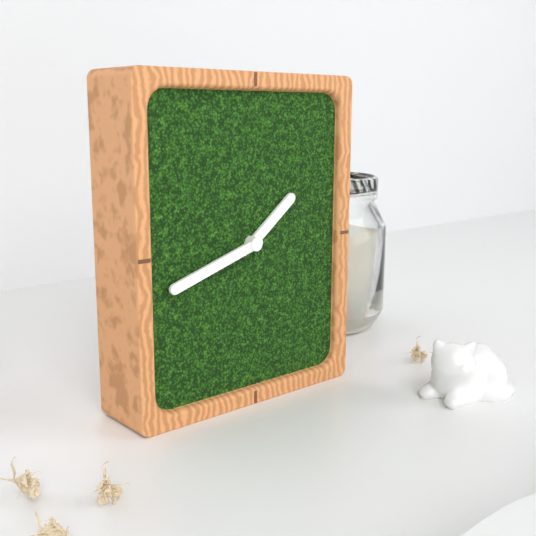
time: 1:42
